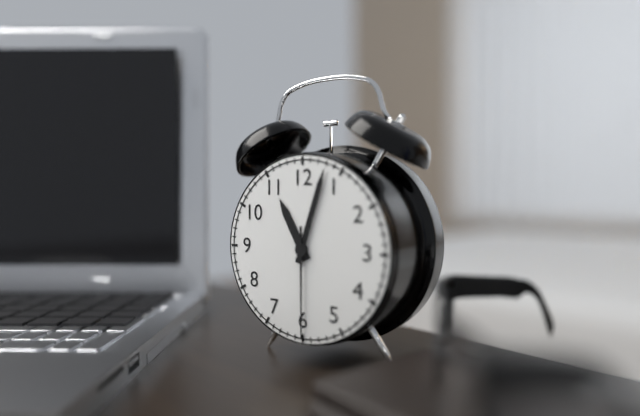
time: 11:03:30
